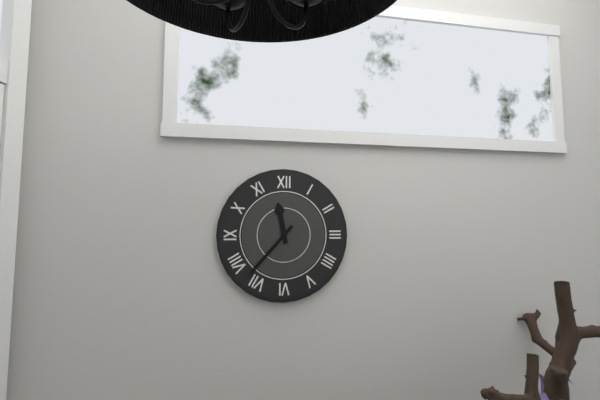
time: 11:37
